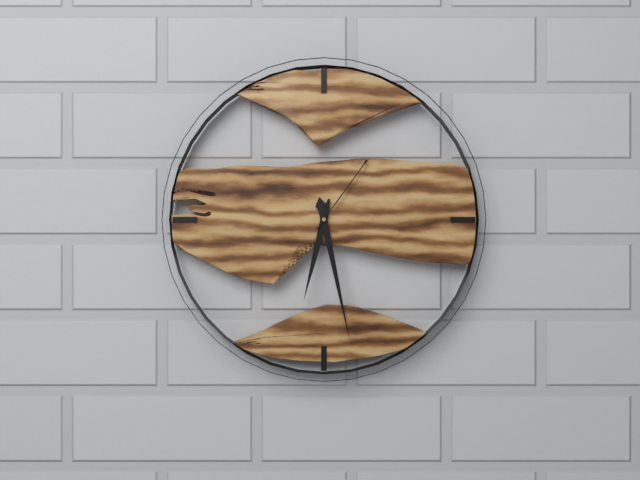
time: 6:28:06
